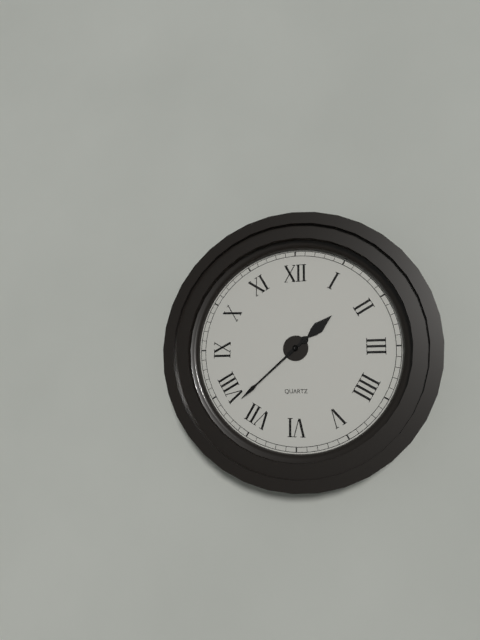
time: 1:38
